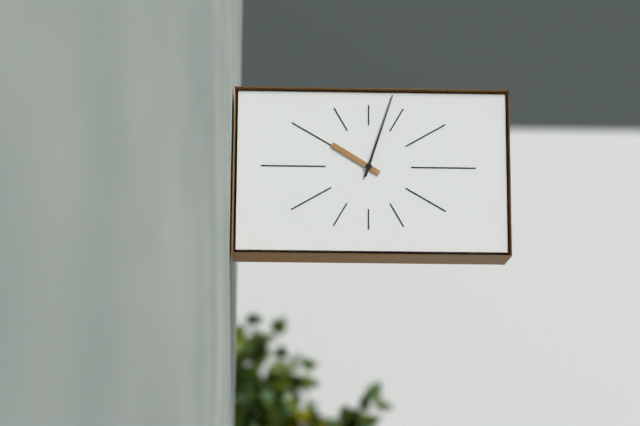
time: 10:03
